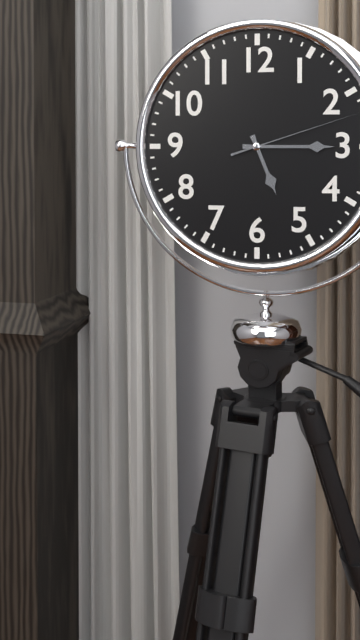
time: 5:15
